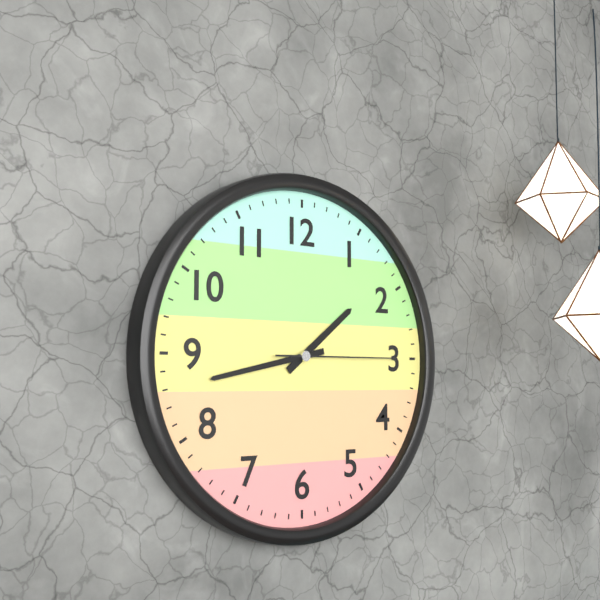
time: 1:43:15
